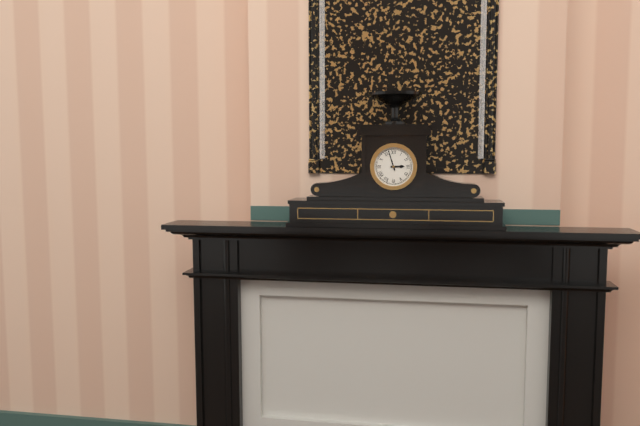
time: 2:57
